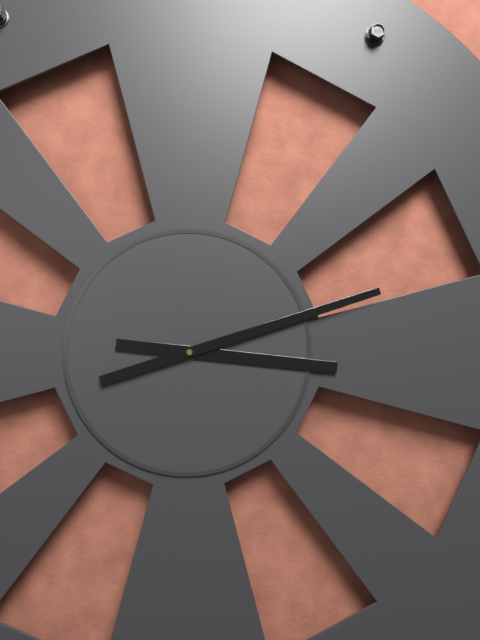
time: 3:12
